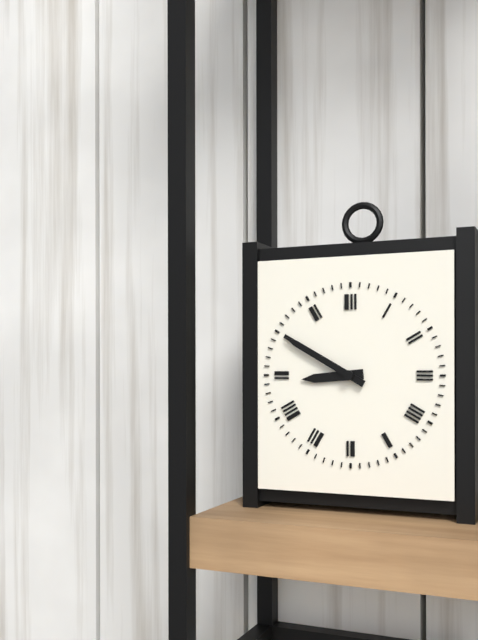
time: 8:50
